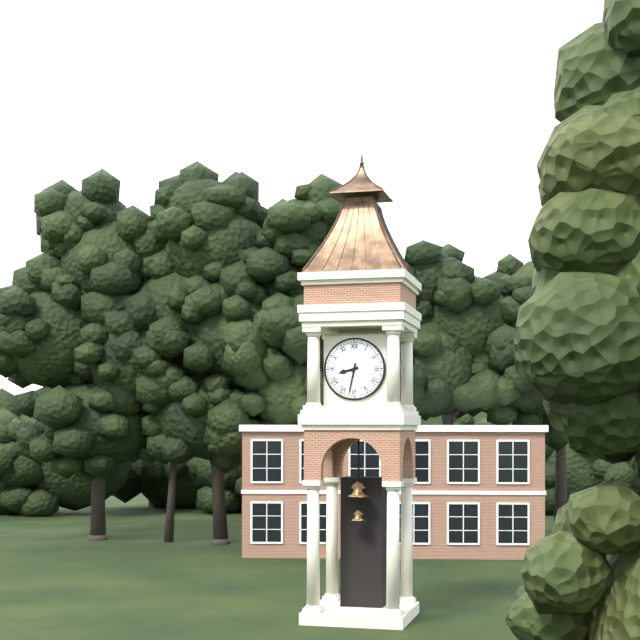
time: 8:32
